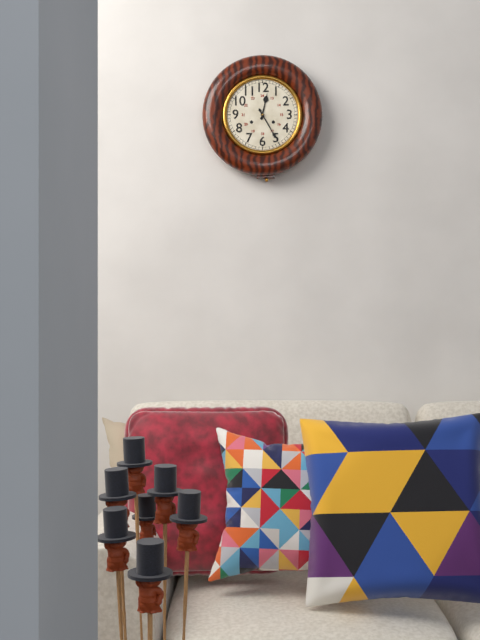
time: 12:25
